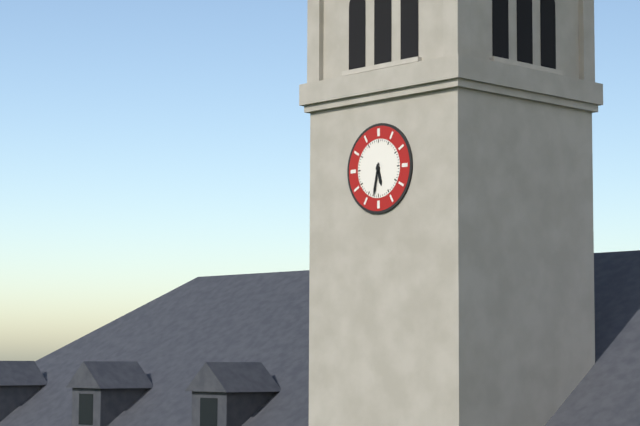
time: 5:32
